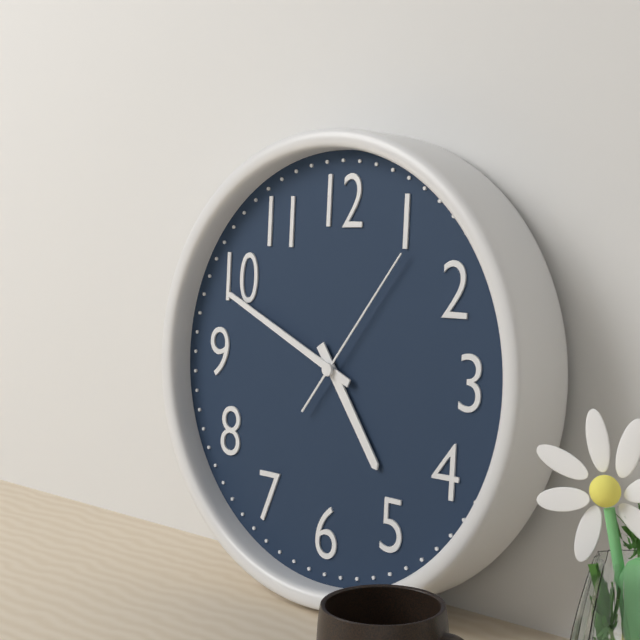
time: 4:49:06
